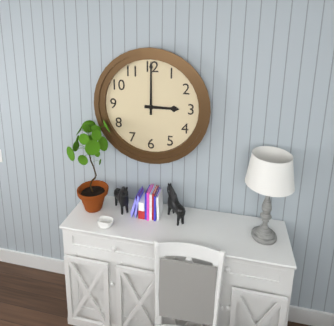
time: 3:00
